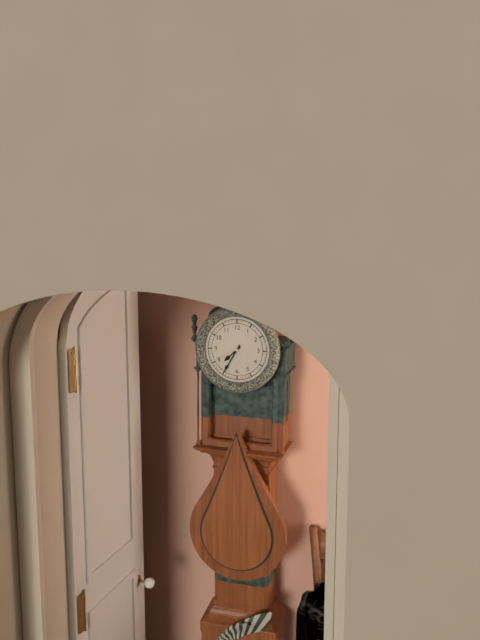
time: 7:35
